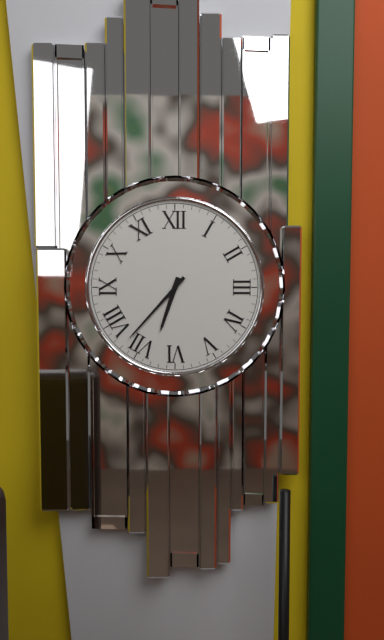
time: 6:37
